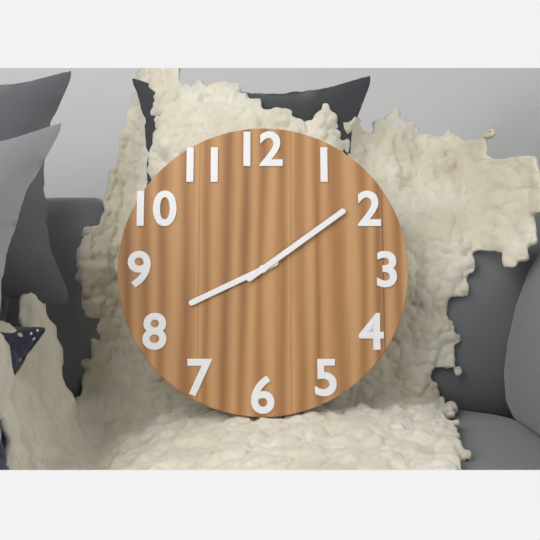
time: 8:09
